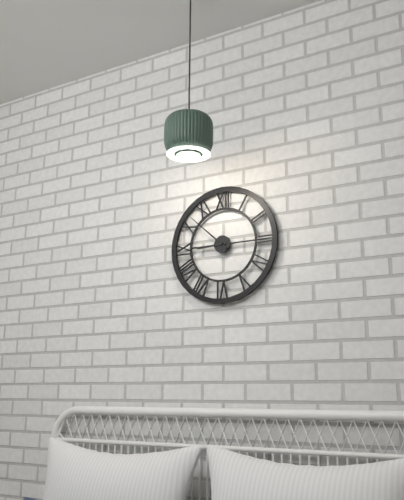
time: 8:52
